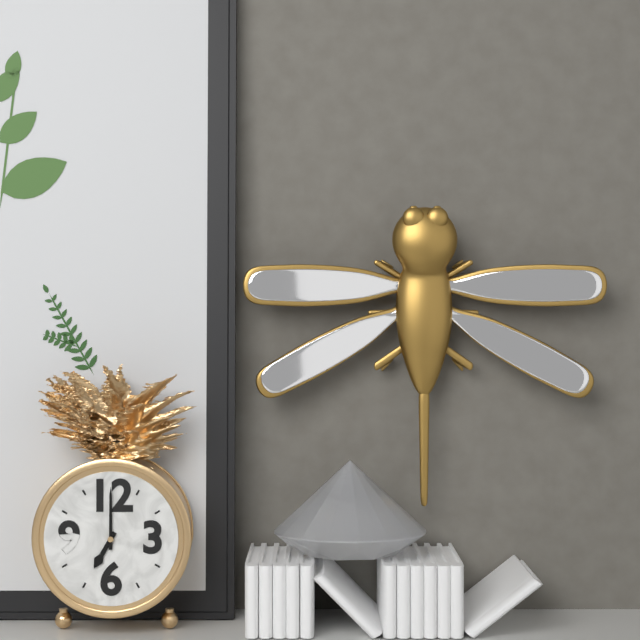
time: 7:00
